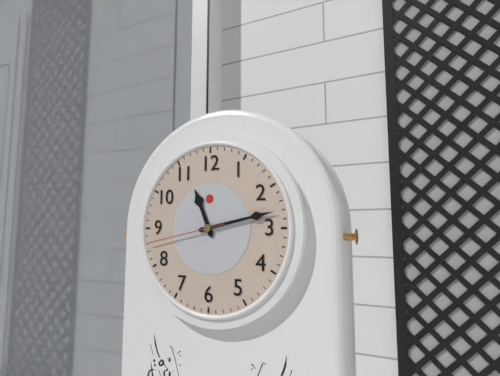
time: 11:13:43
